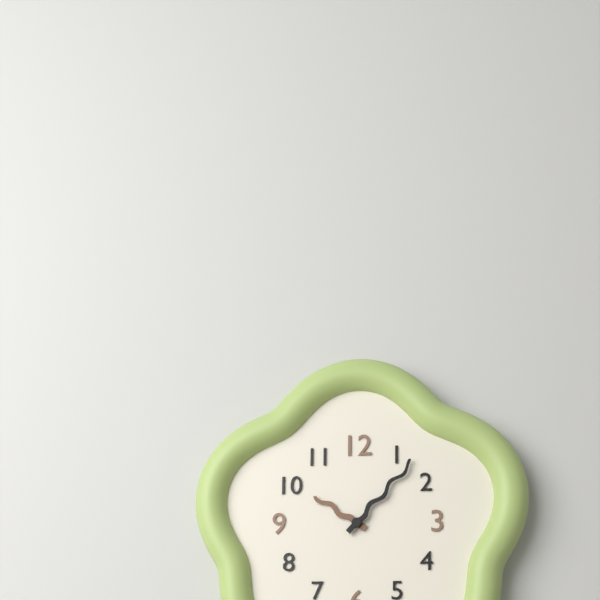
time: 10:07
